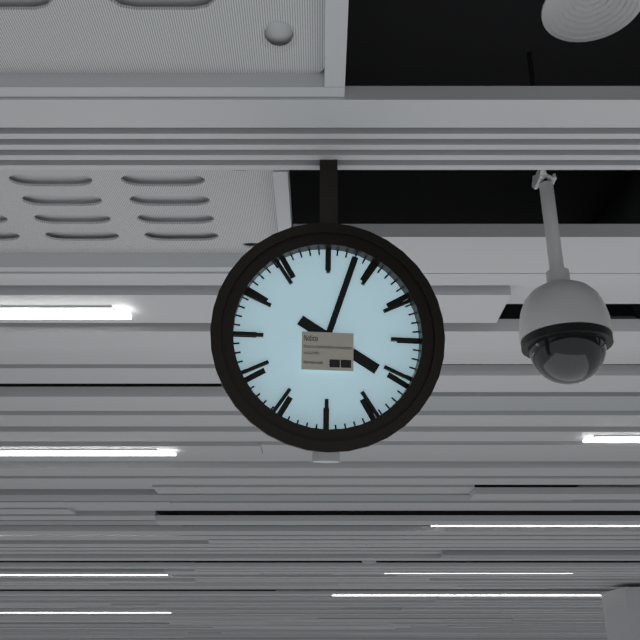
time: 4:03
